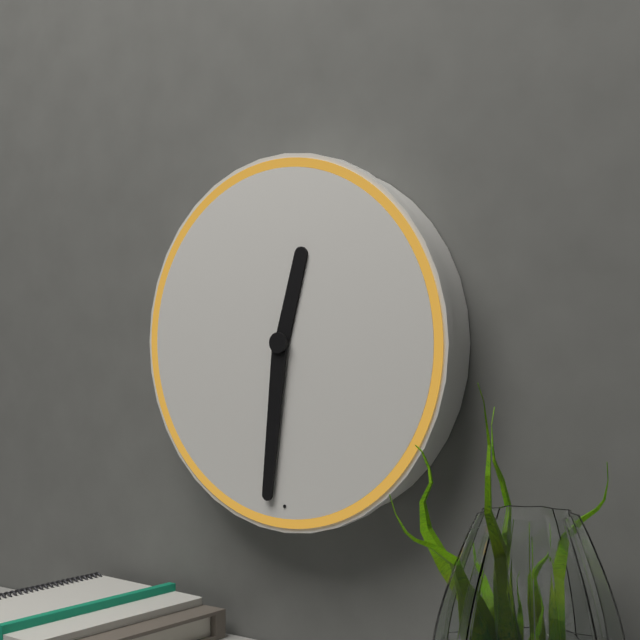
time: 12:31
